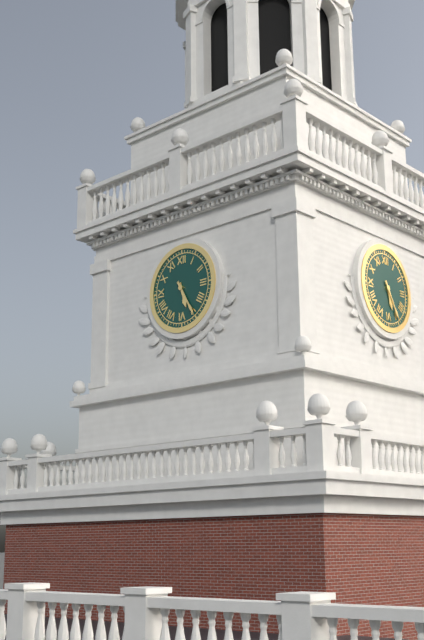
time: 5:25
